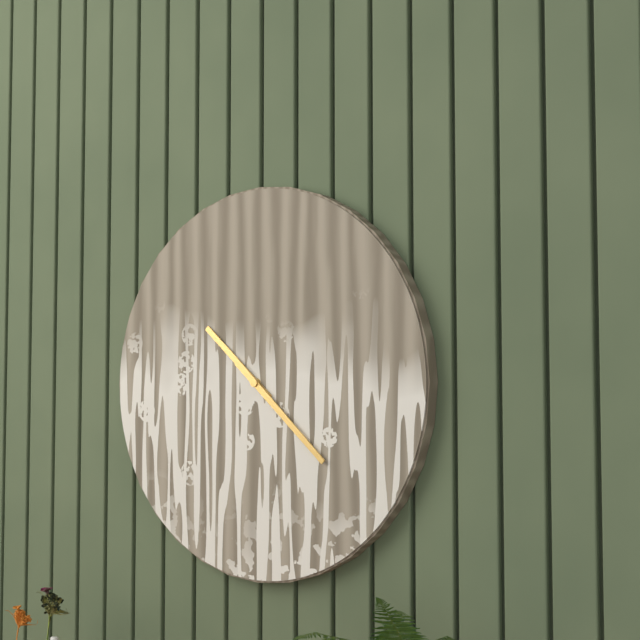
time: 10:22
